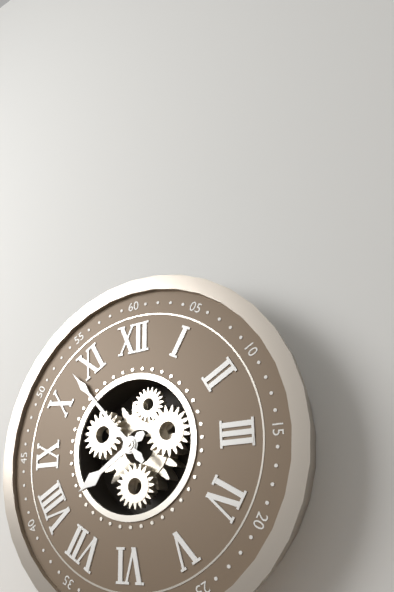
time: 7:53
